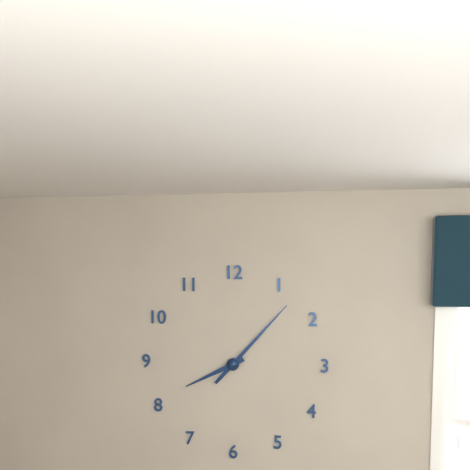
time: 8:07
